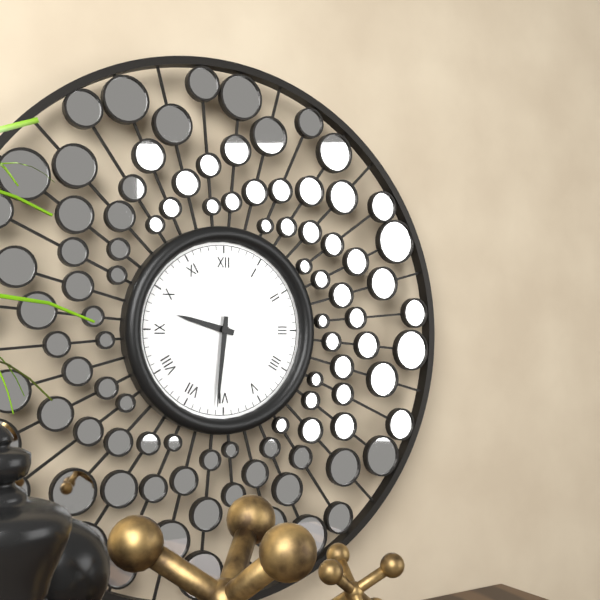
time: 9:31
